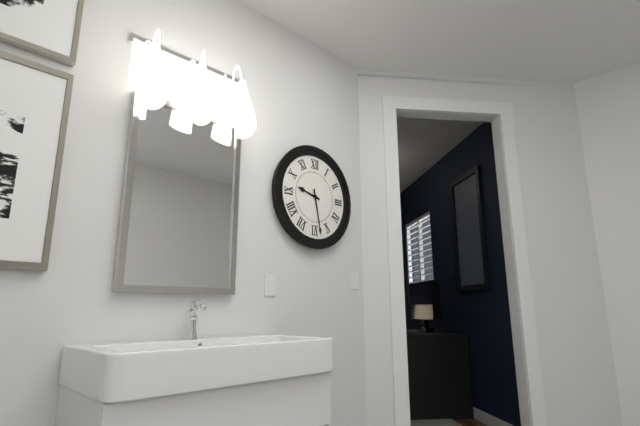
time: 9:28
